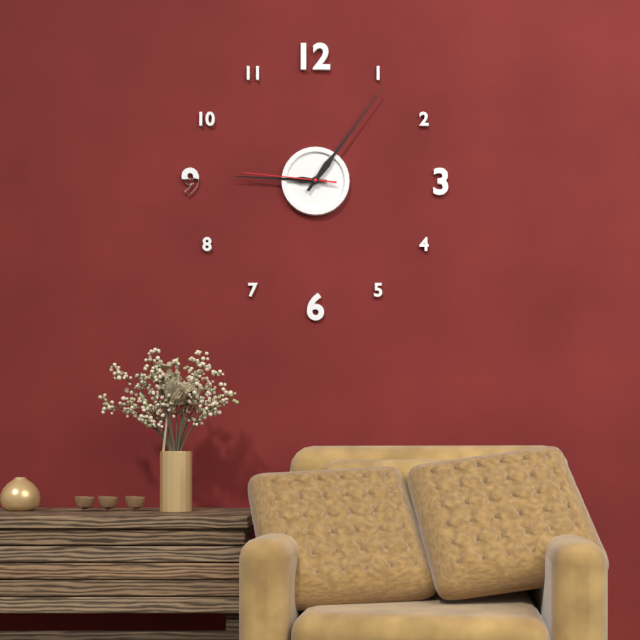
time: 9:06:46
